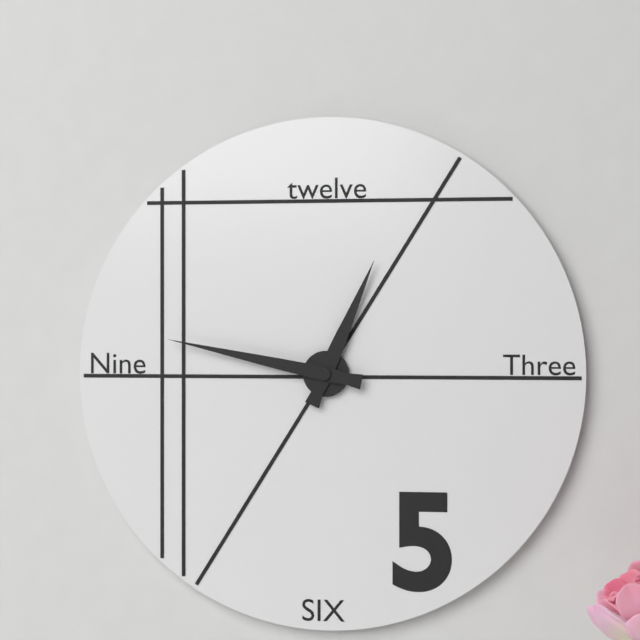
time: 12:47
